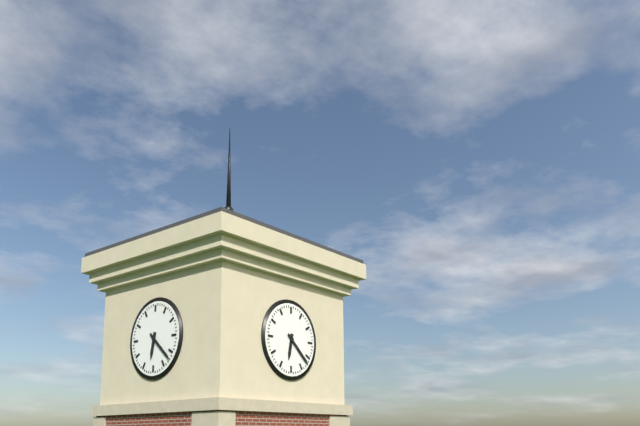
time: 6:22
